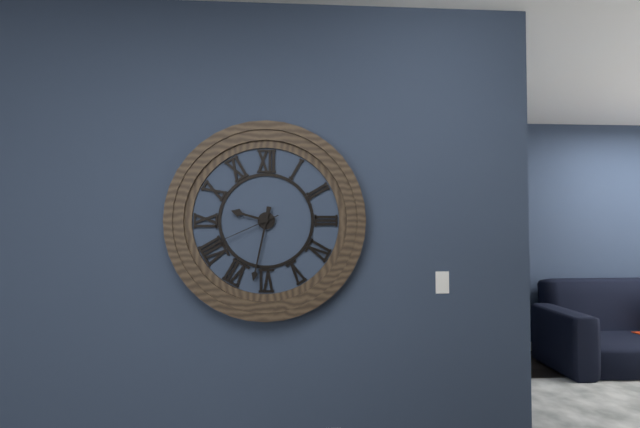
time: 9:32:41
